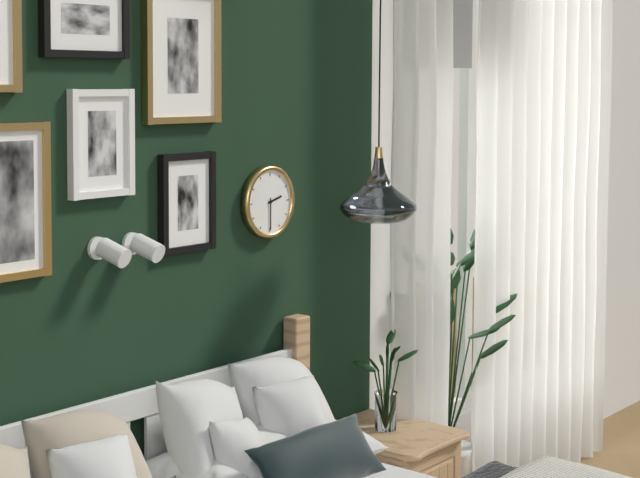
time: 2:30
